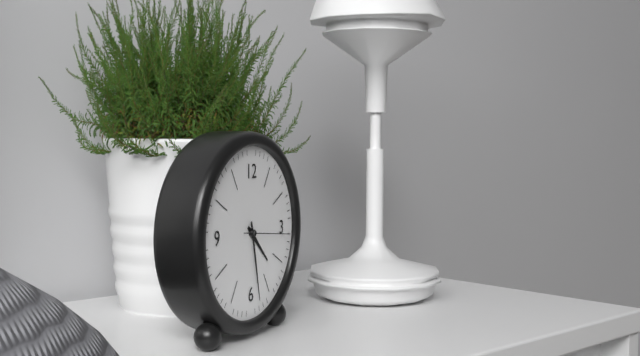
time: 4:28
